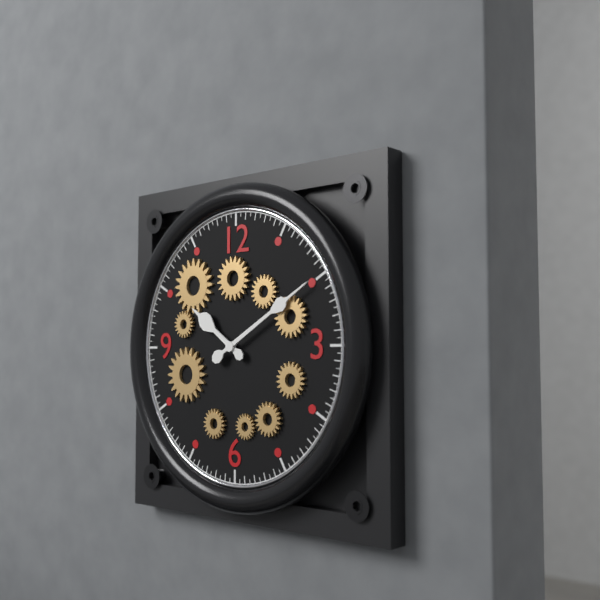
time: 10:10
